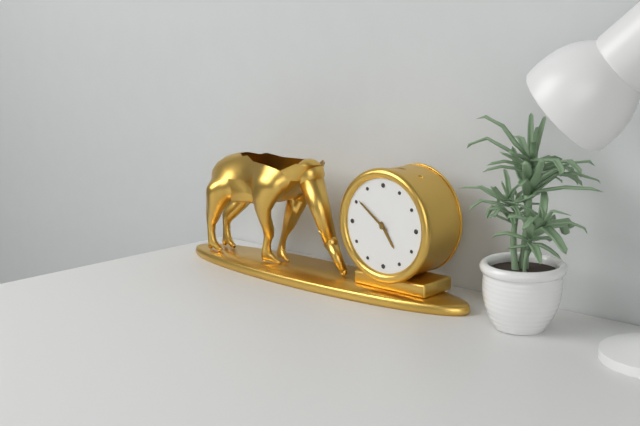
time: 4:51
